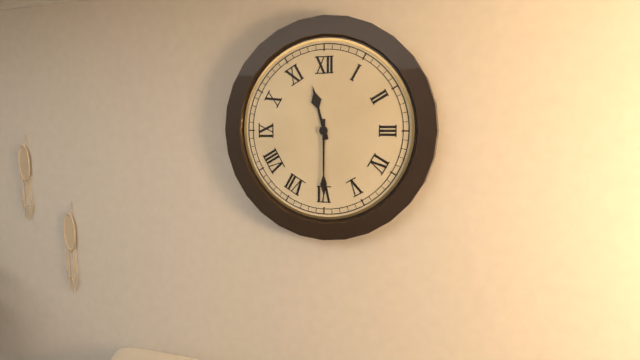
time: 11:30
